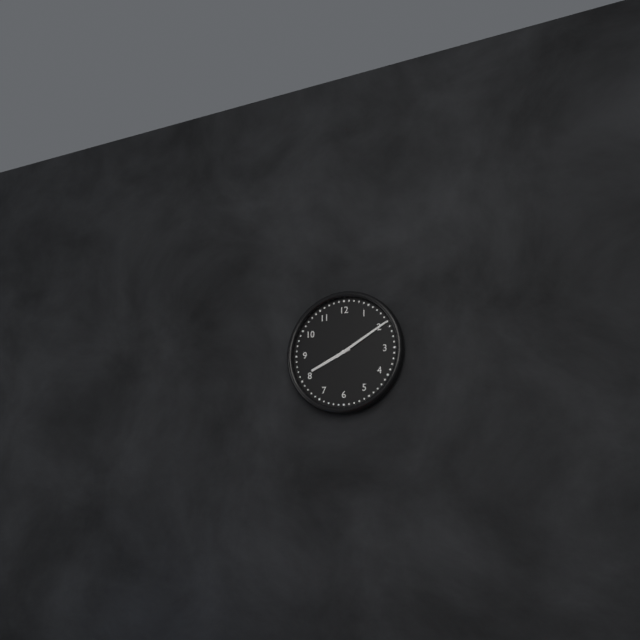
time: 8:10
